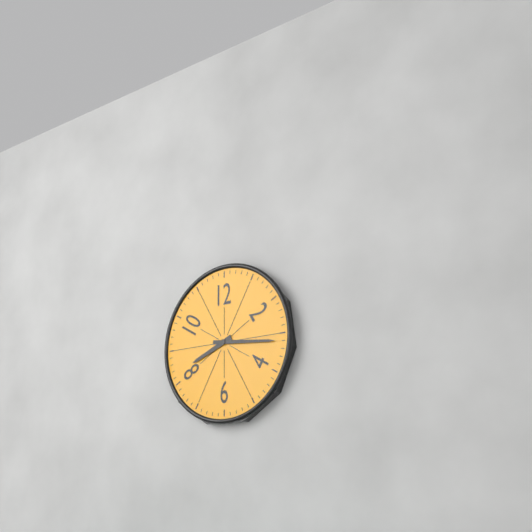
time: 8:16
